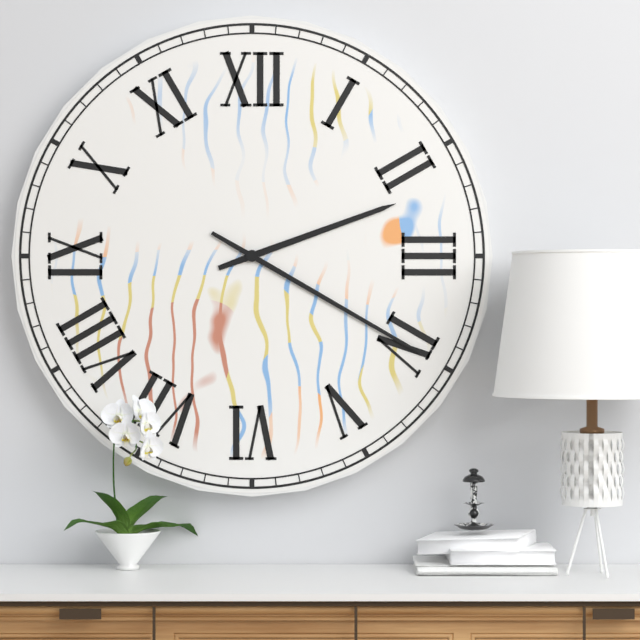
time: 2:20
